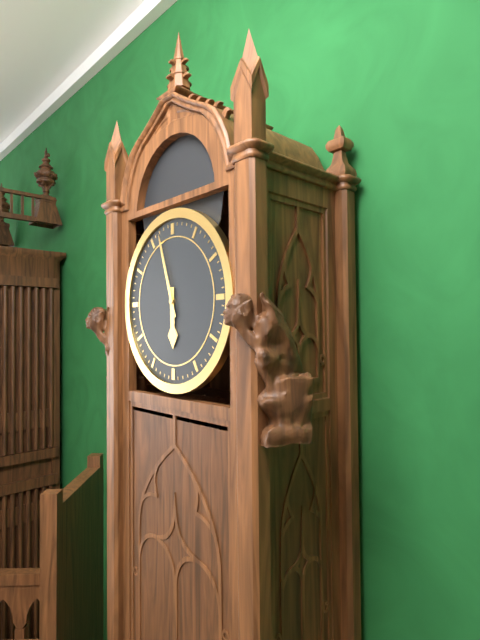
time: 5:57
